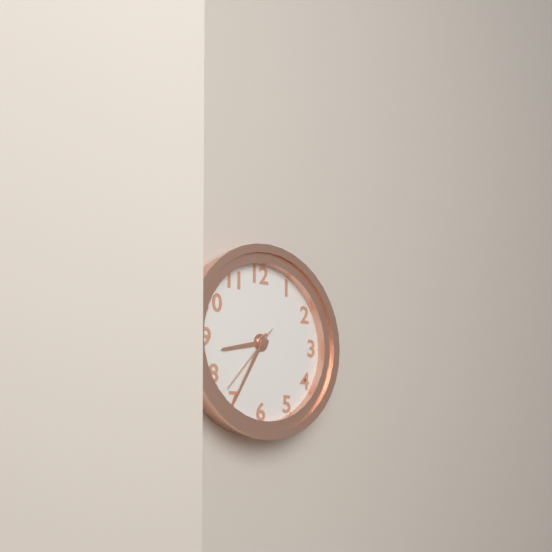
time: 8:35:37
